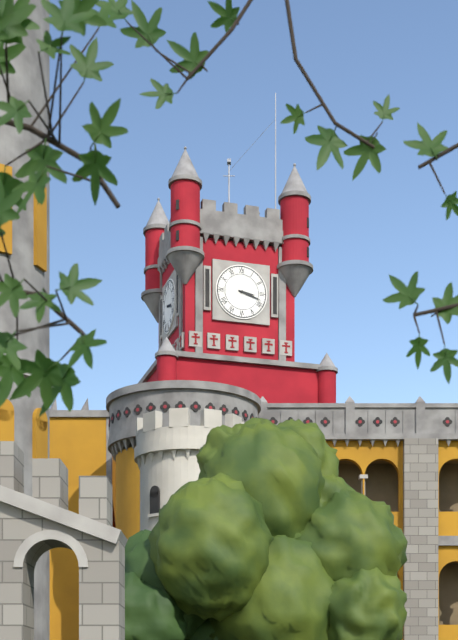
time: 3:18
